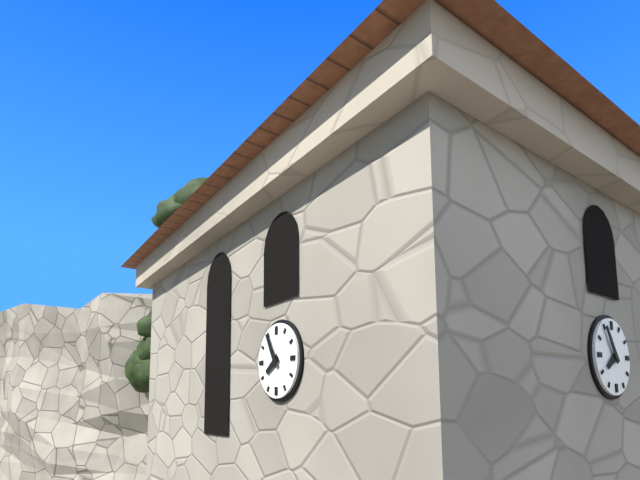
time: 7:55
